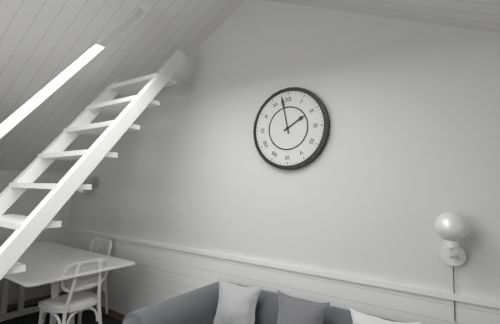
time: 1:58
